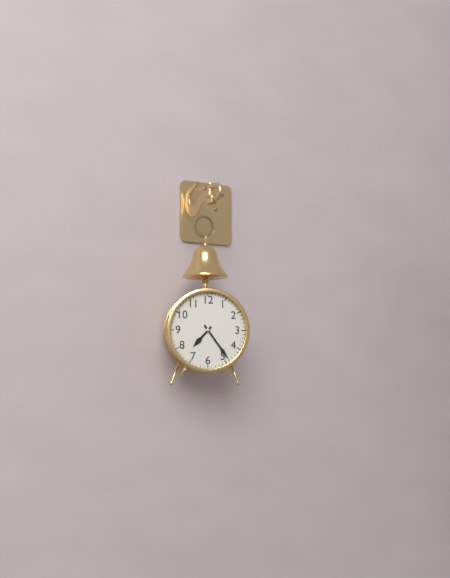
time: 7:24
